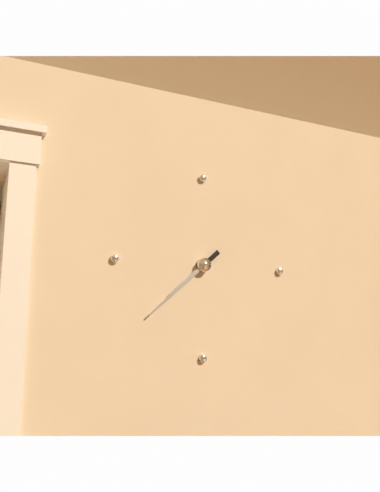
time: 7:38
